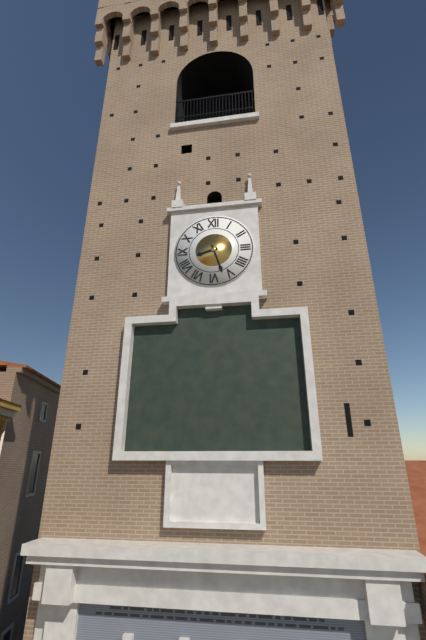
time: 8:27
